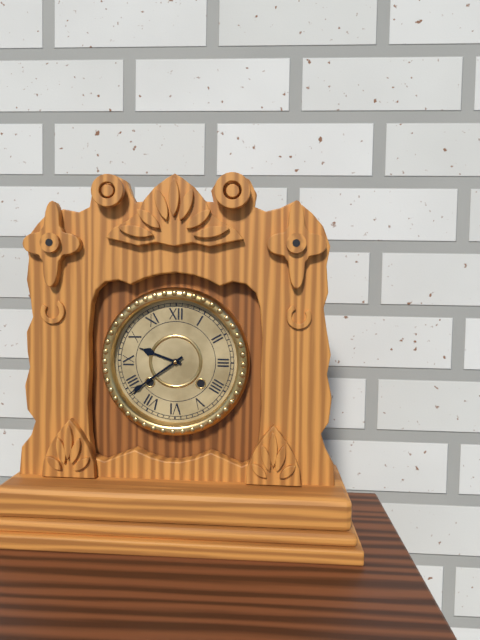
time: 9:39
